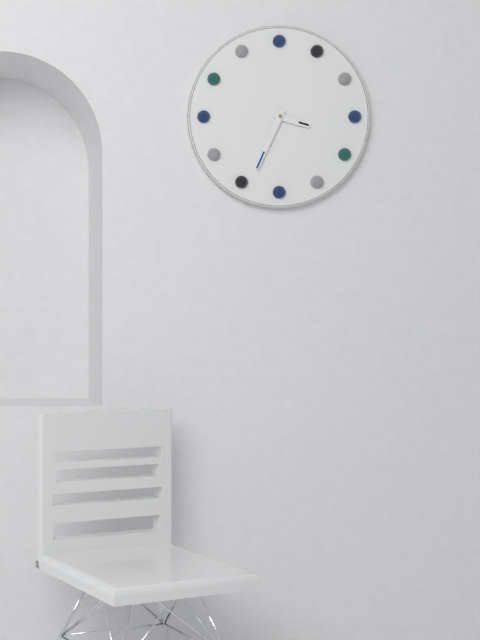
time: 3:34
